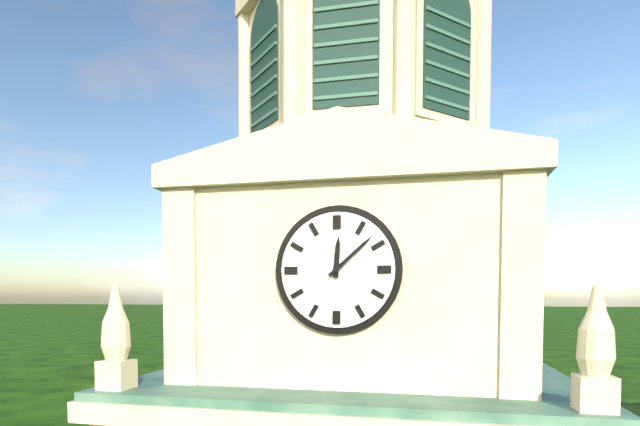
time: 12:08
